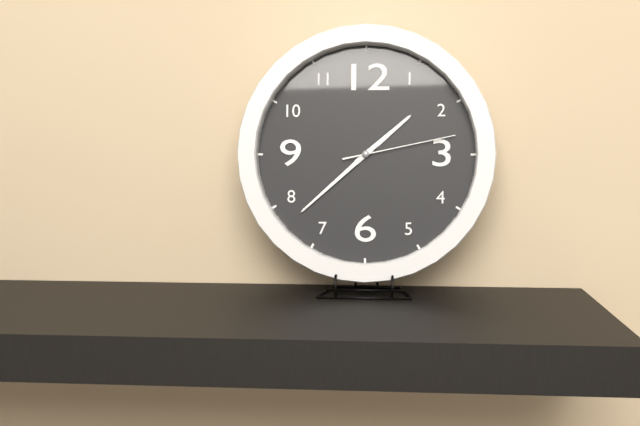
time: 1:38:13
